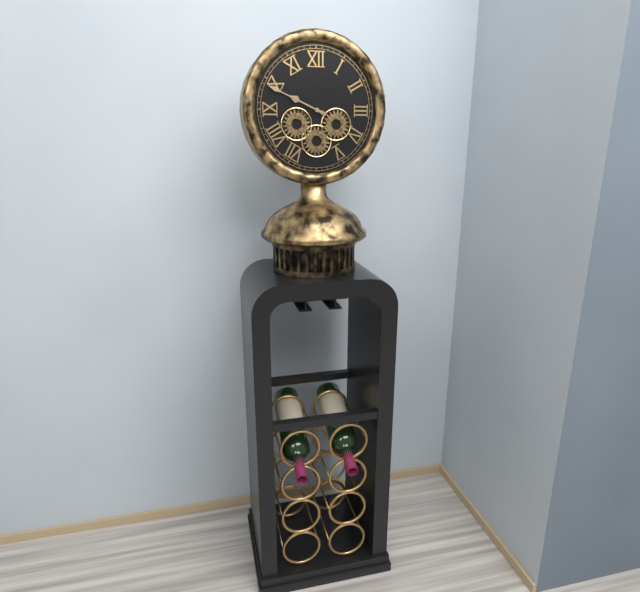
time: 9:49
